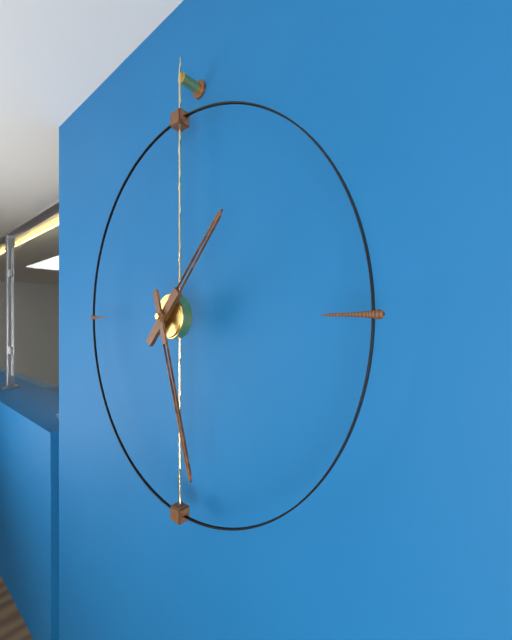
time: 1:27
